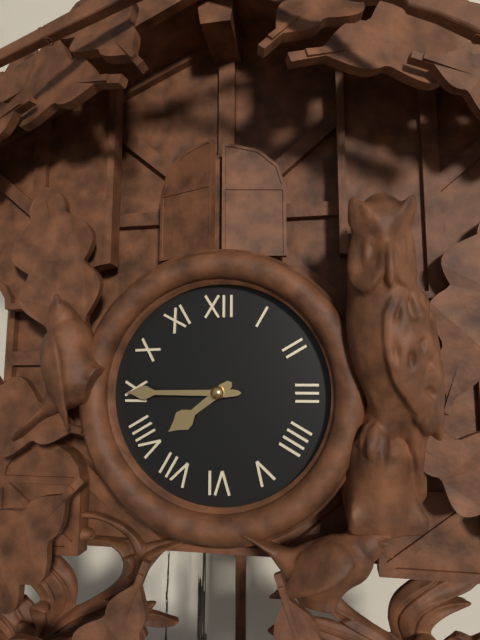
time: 7:45
